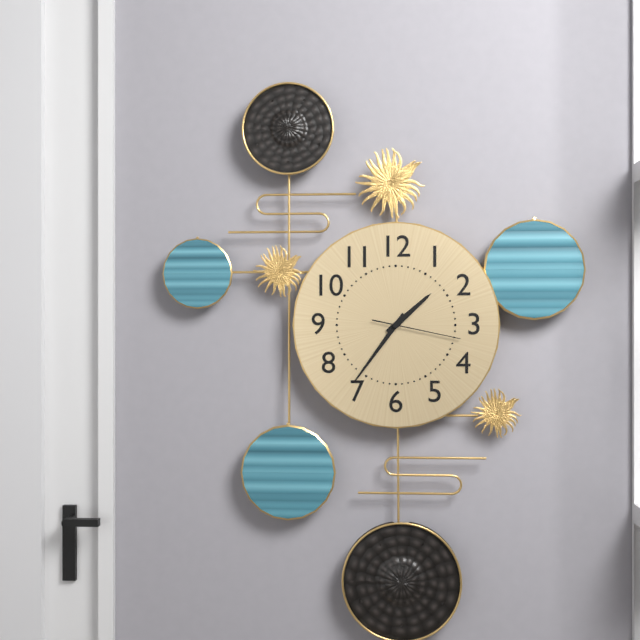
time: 1:36:17
